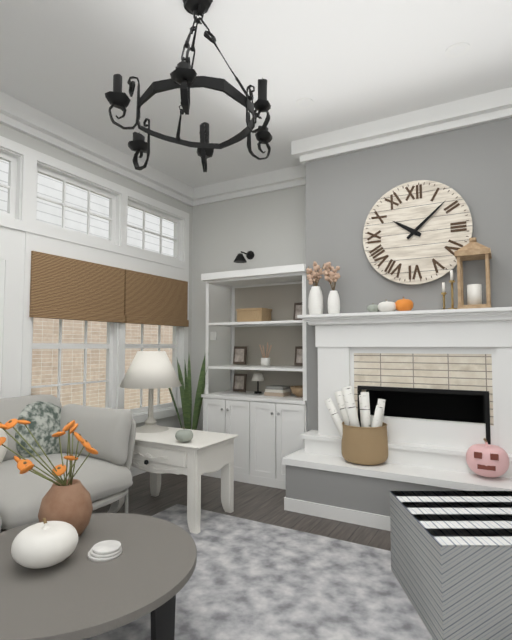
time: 10:08
